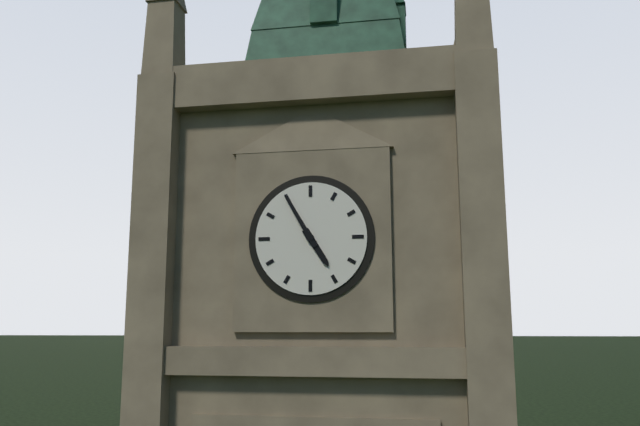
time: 4:55
